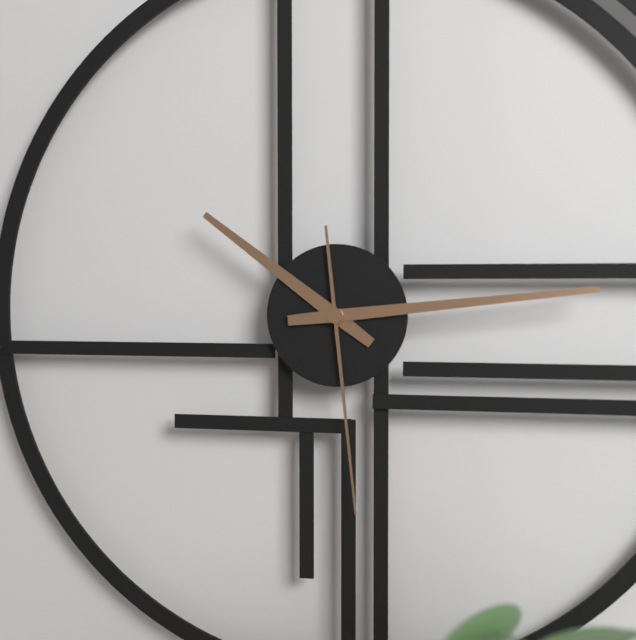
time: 10:14:29
